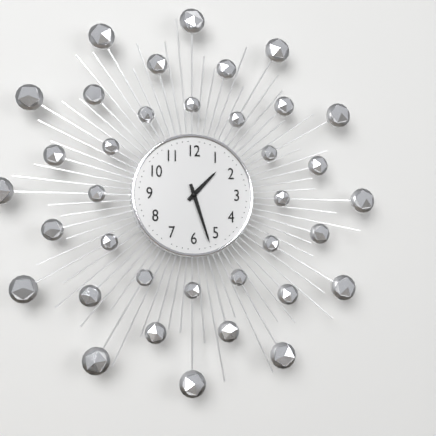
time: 1:27
